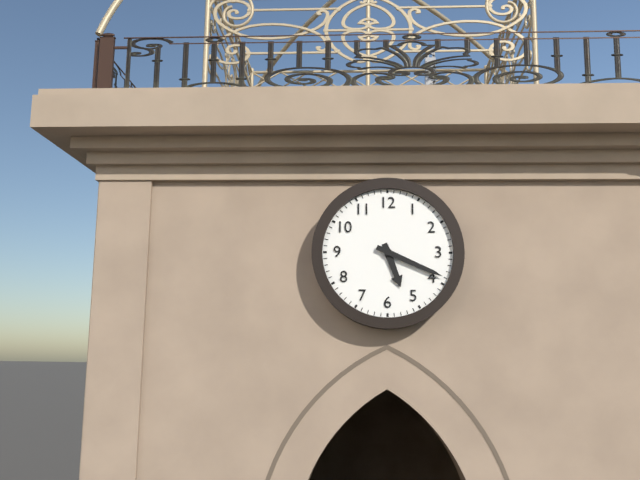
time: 5:19
